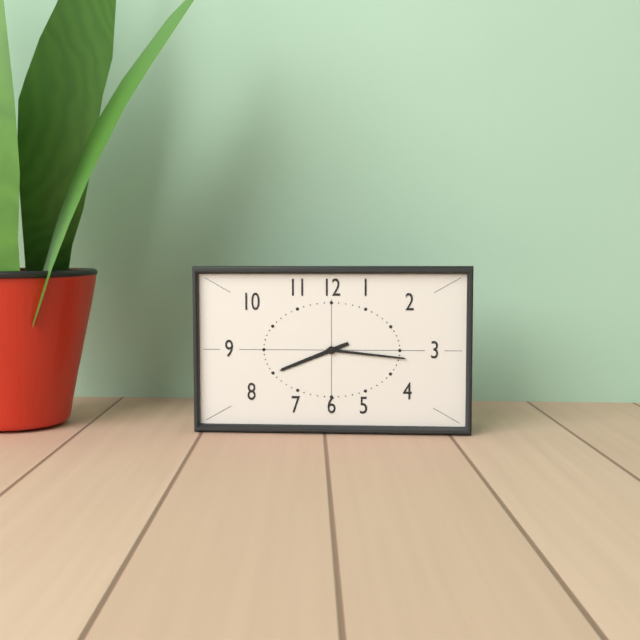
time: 8:16
